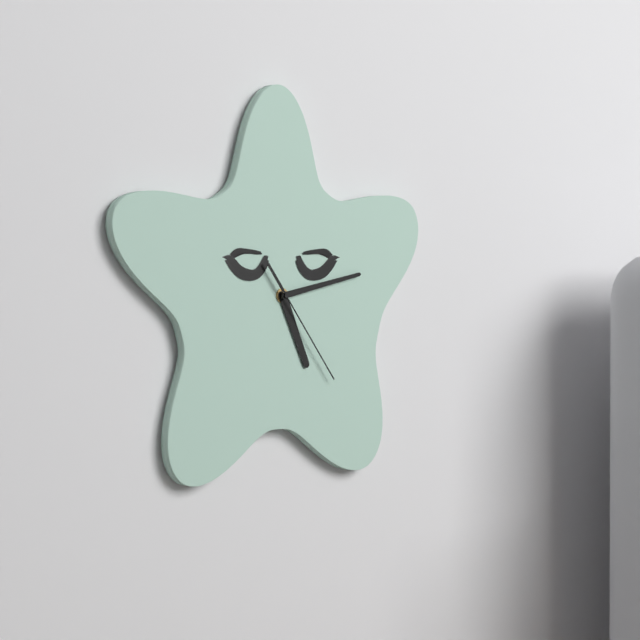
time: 5:13:24
